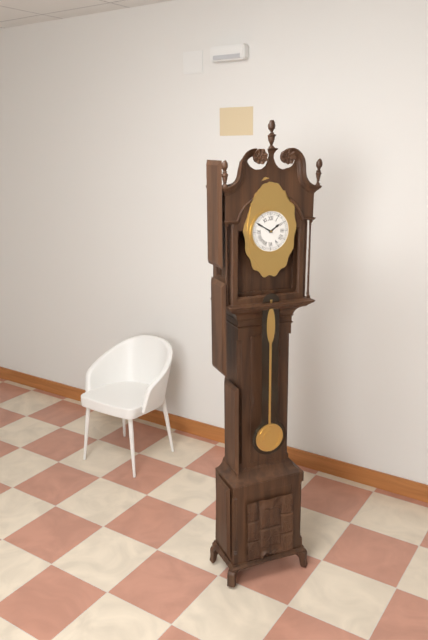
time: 1:50
